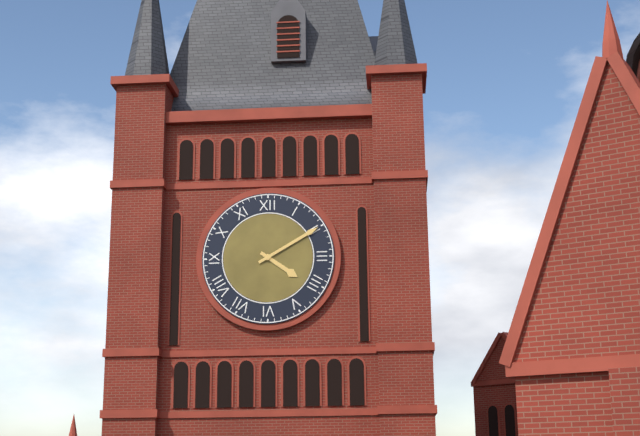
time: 4:10
